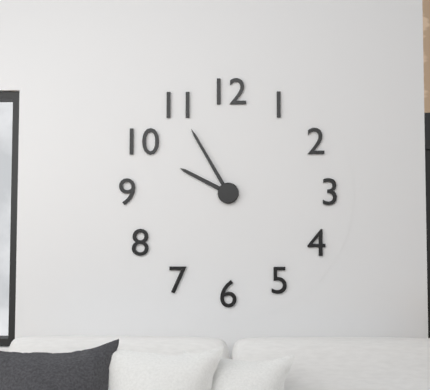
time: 9:55
